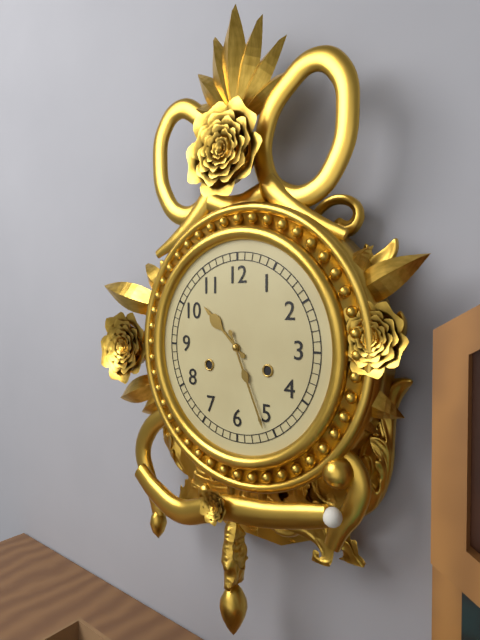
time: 10:26
